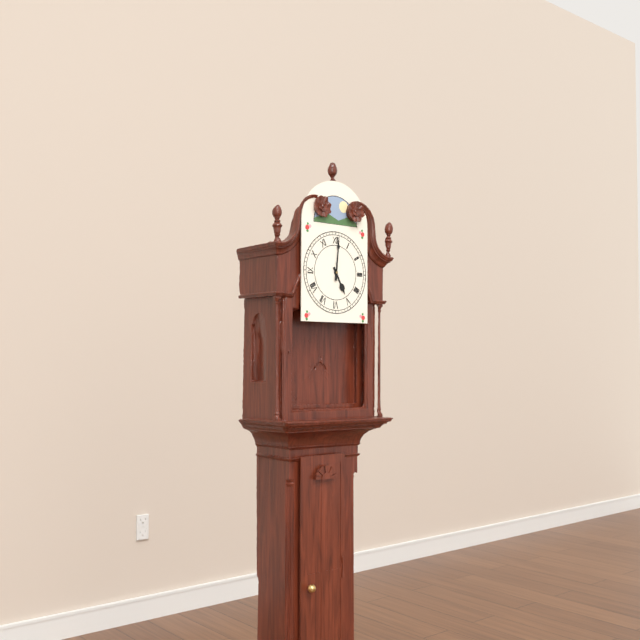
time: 5:01
